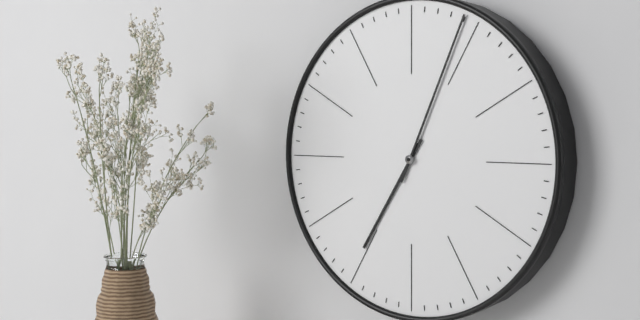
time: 7:04
